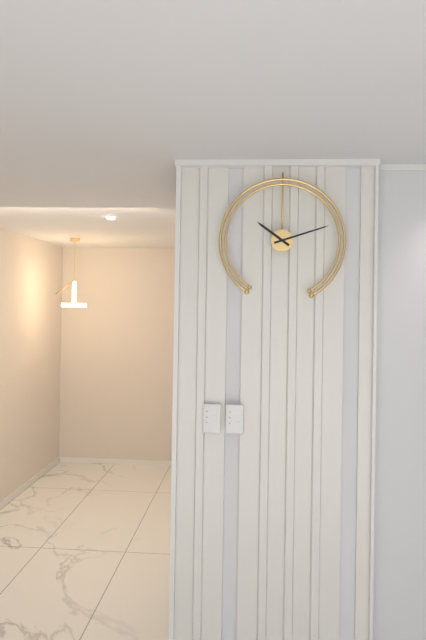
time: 10:12
